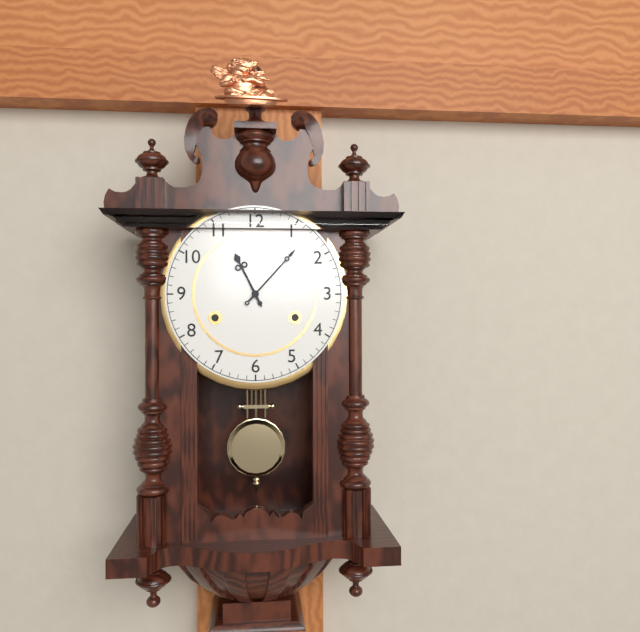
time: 11:07
